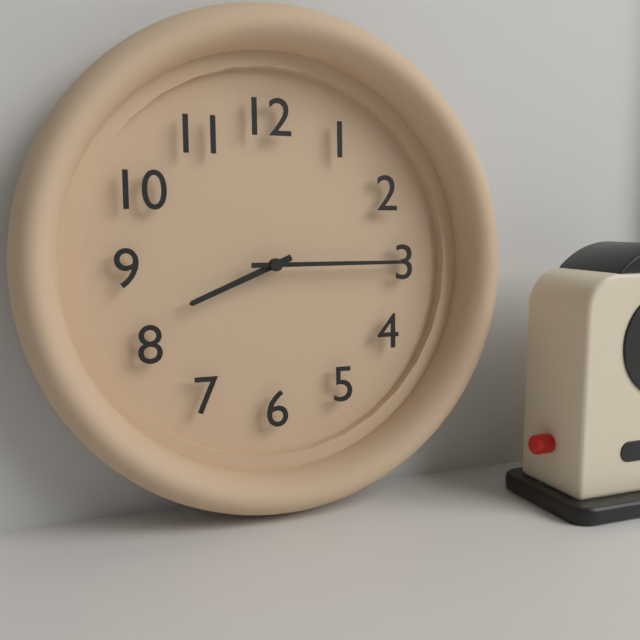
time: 8:15
